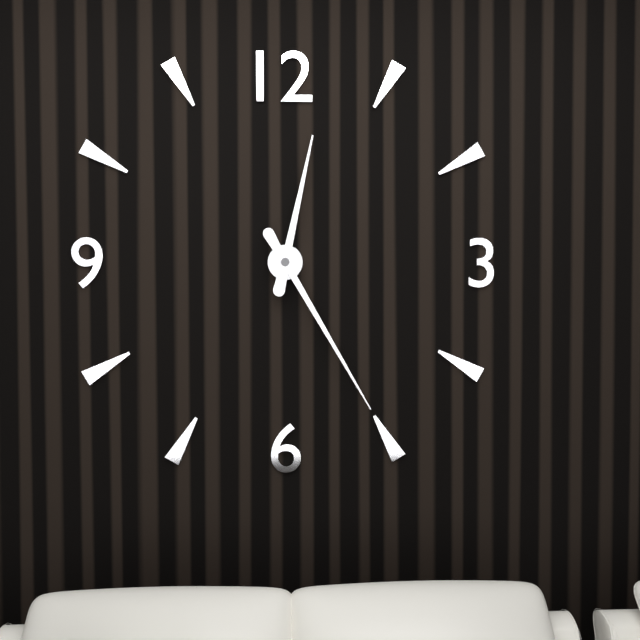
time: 12:25
